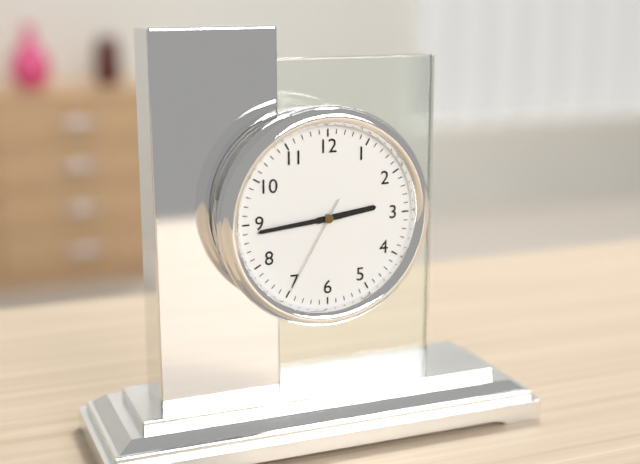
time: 2:44:35
